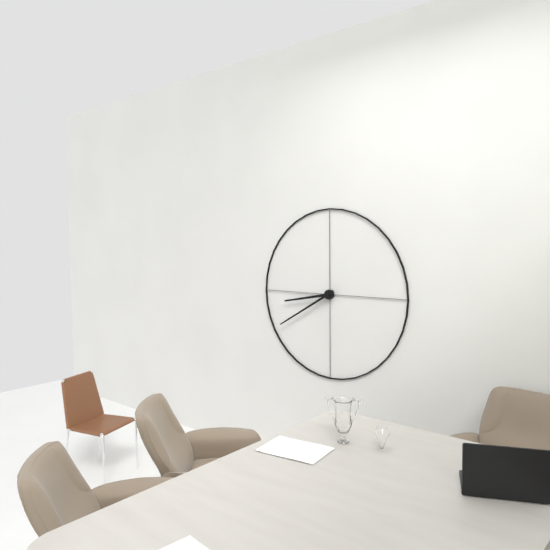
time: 8:40
